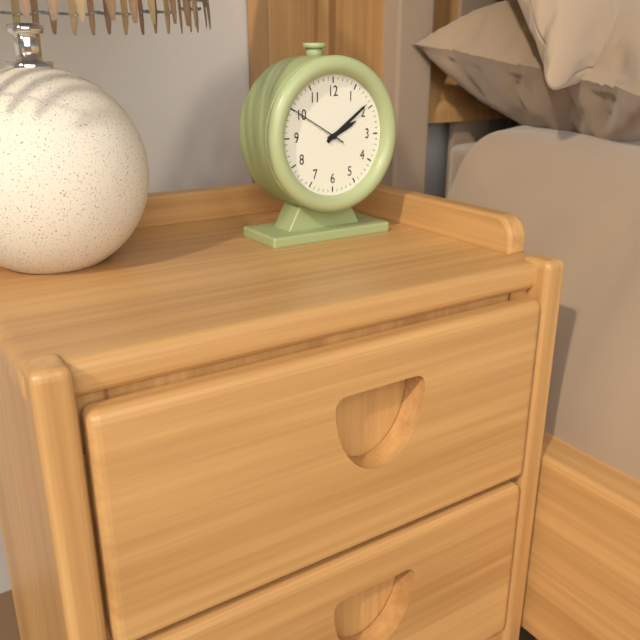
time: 2:09:50
